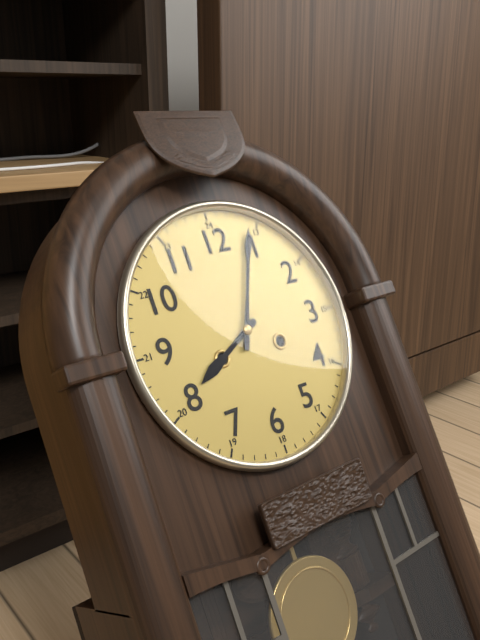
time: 8:04
